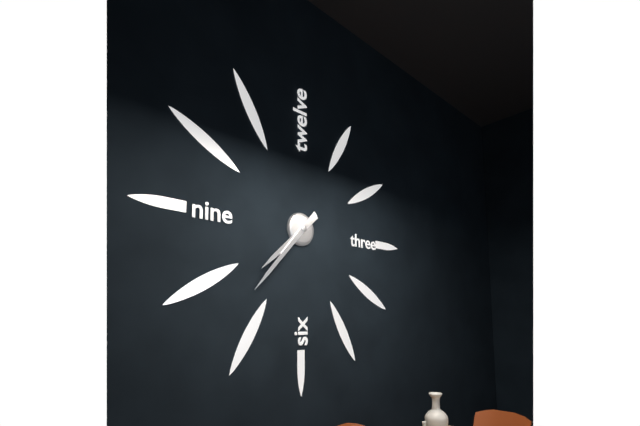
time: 7:37
